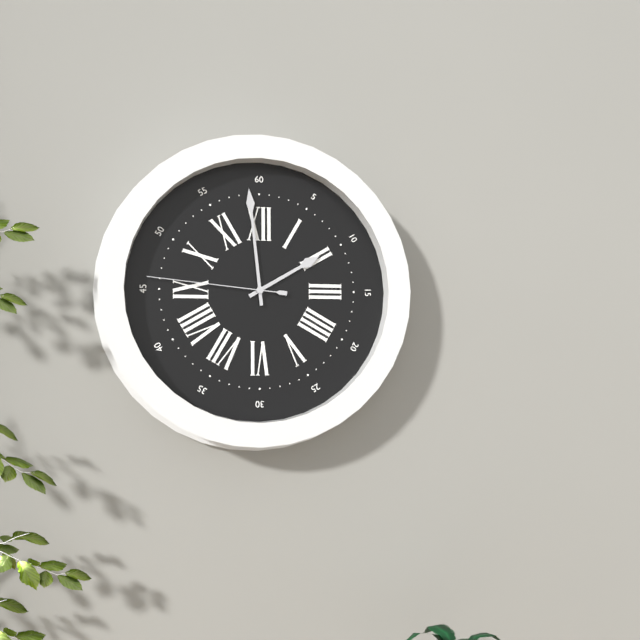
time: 1:59:46
